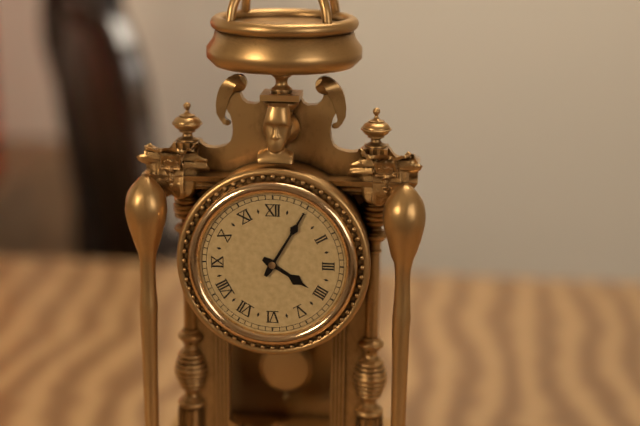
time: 4:05
